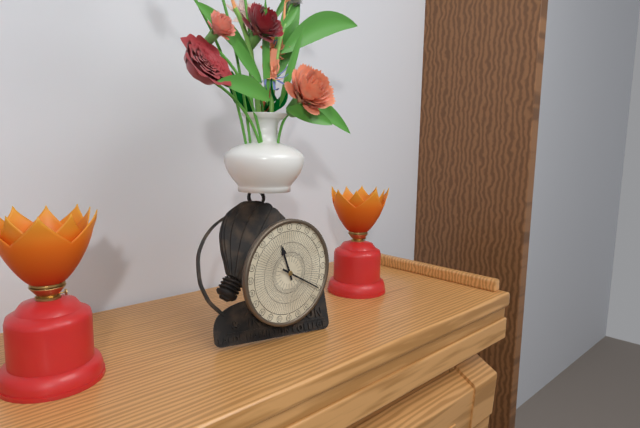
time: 11:20
